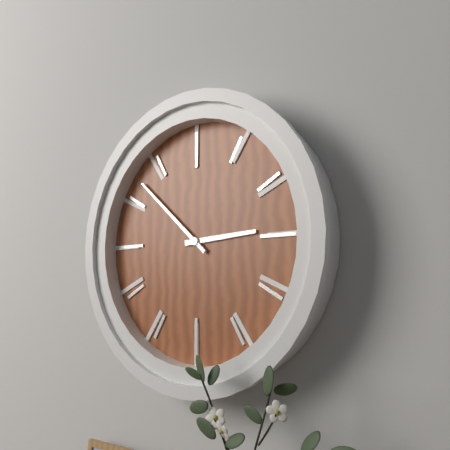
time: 2:52
